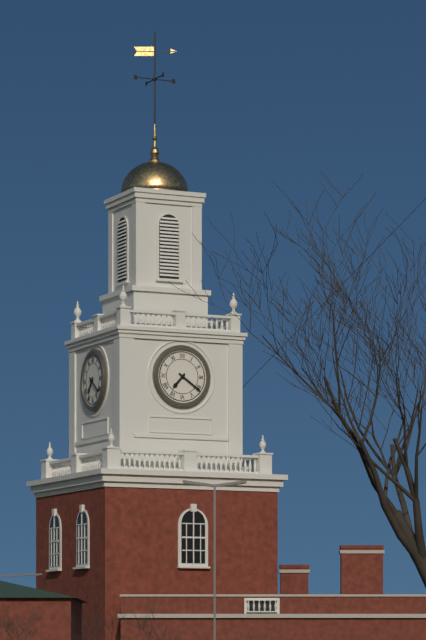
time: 7:21
